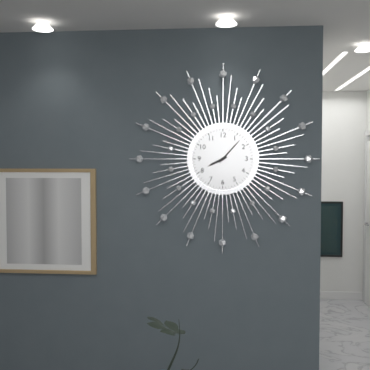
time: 8:07
